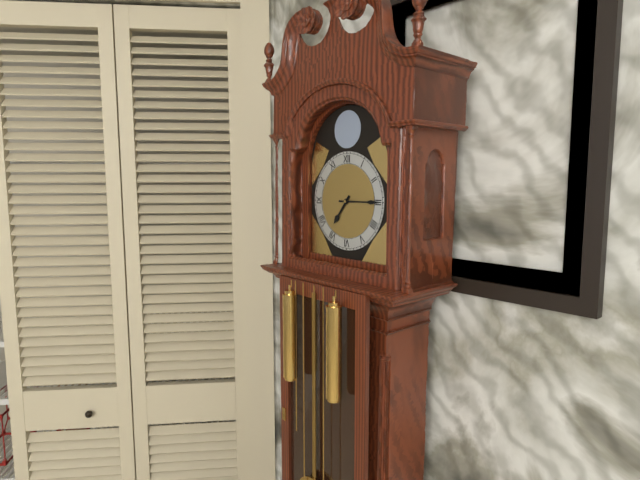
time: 7:15
